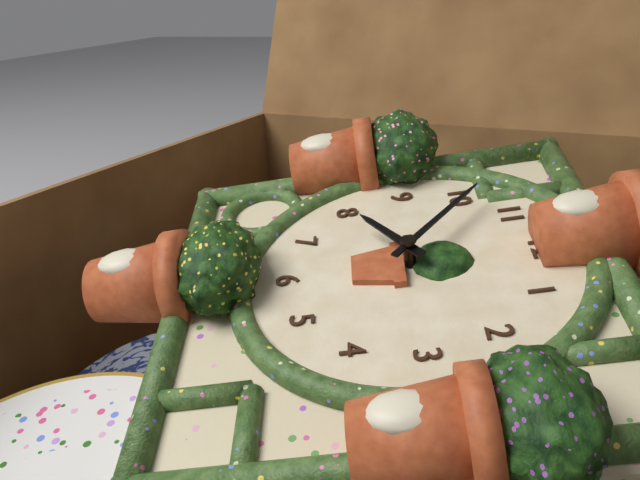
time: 7:52
